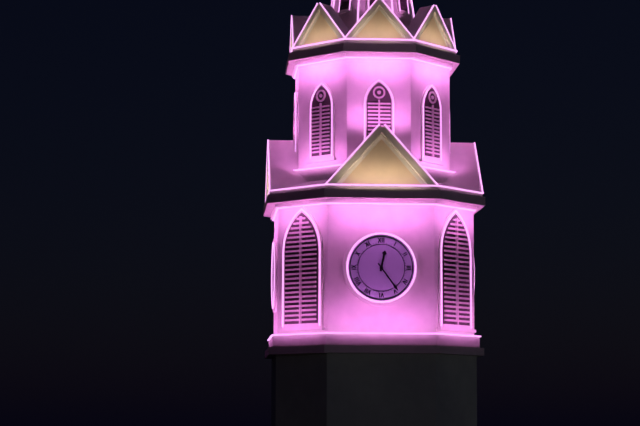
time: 12:24
